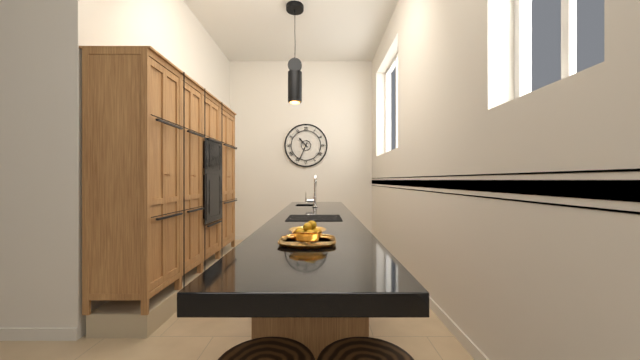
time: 10:34
